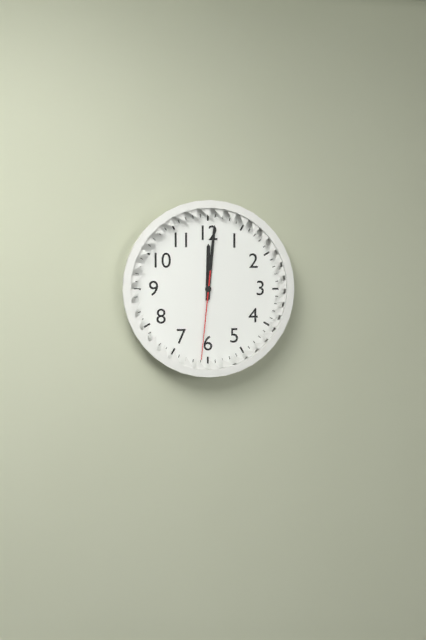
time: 12:01:31
